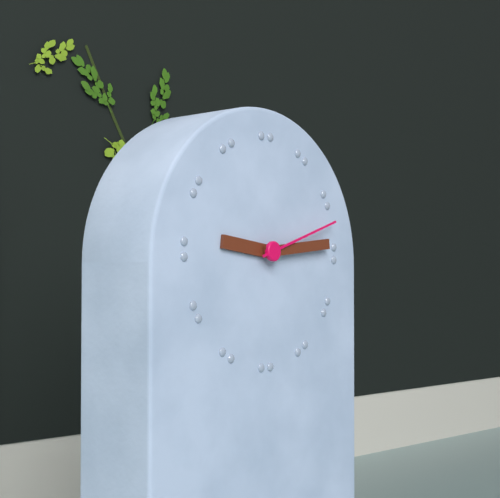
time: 9:14:12
